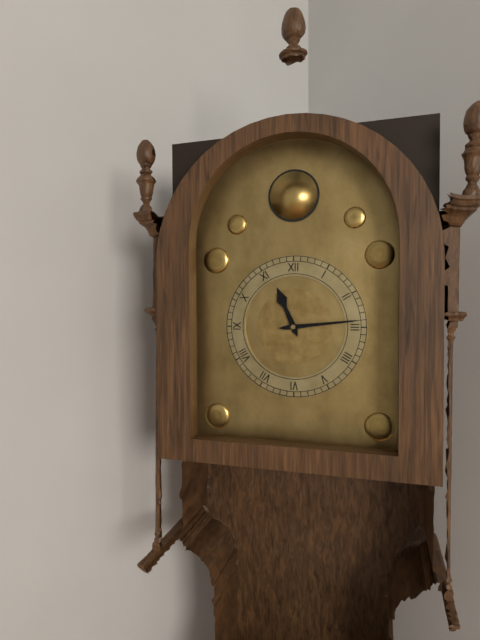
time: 11:14
